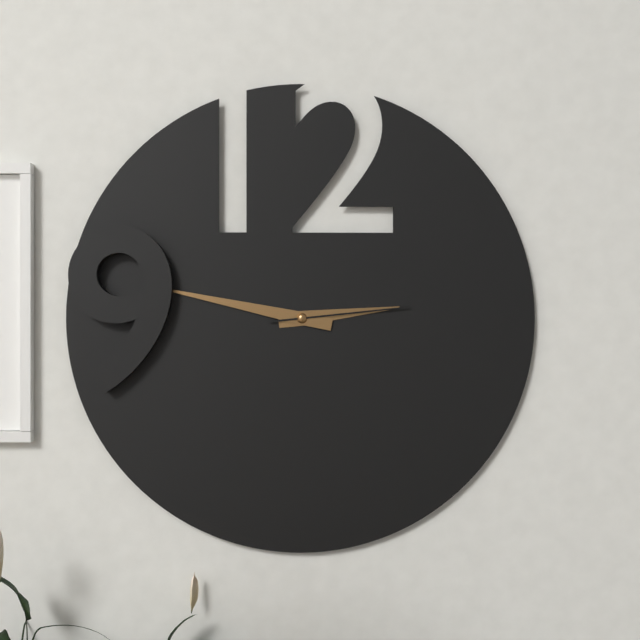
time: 2:47:14
